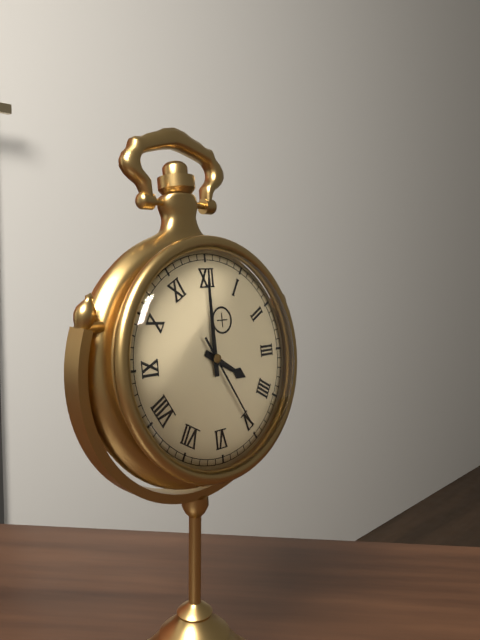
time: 4:00:25
